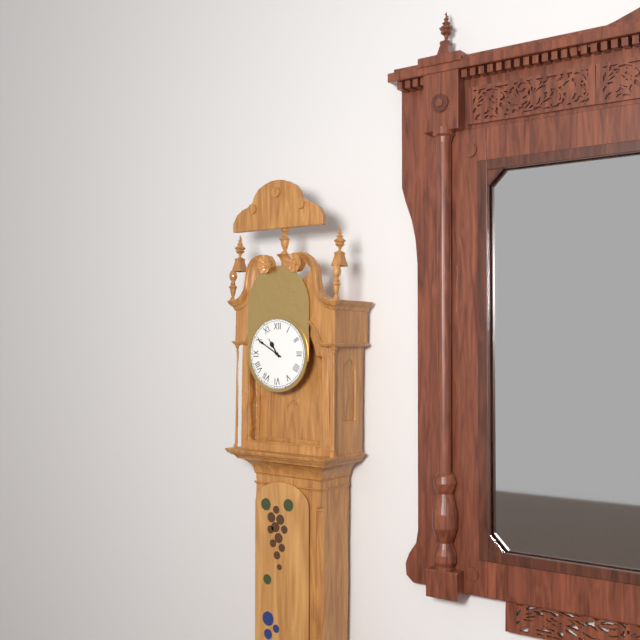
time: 10:50
